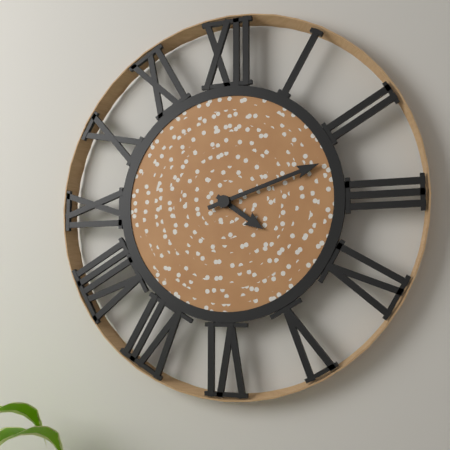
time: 4:12
